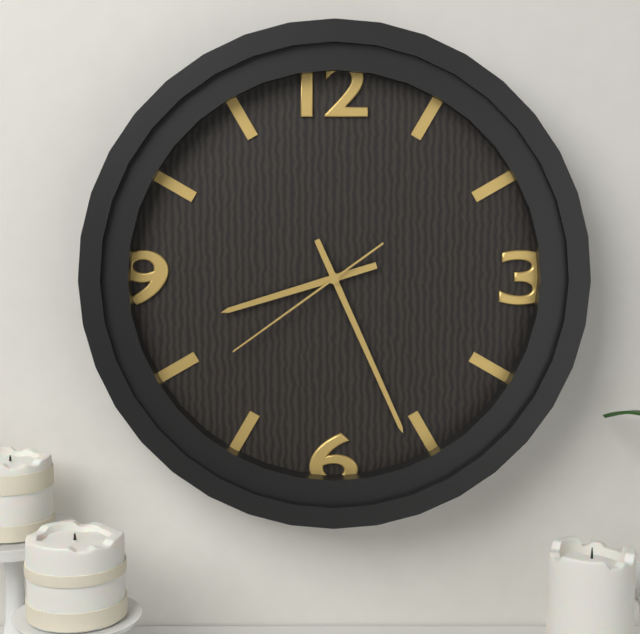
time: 8:26:39
